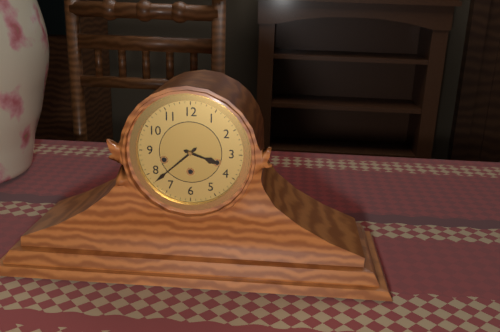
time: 3:38
